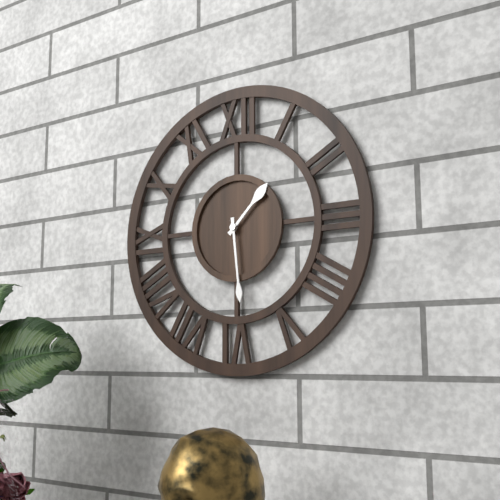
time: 1:29
